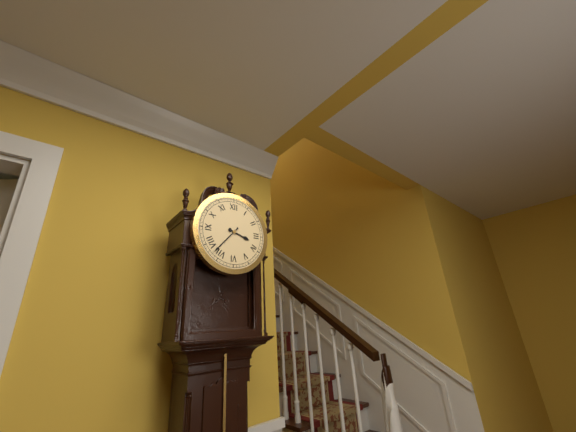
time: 3:37
